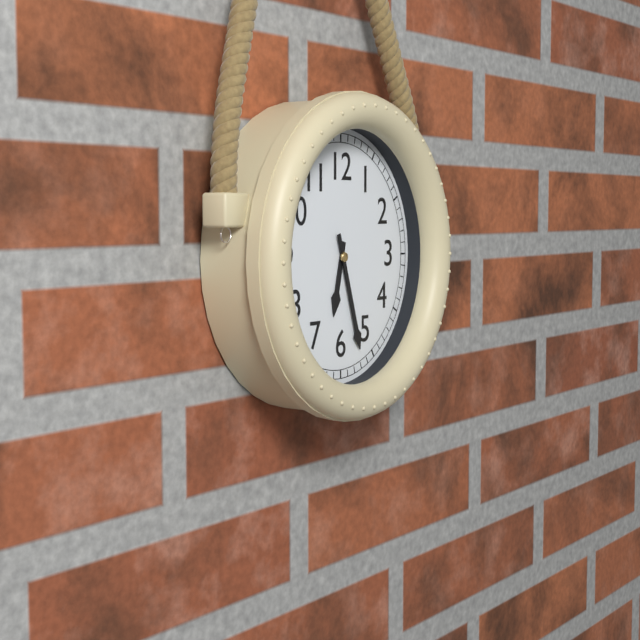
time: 6:27
